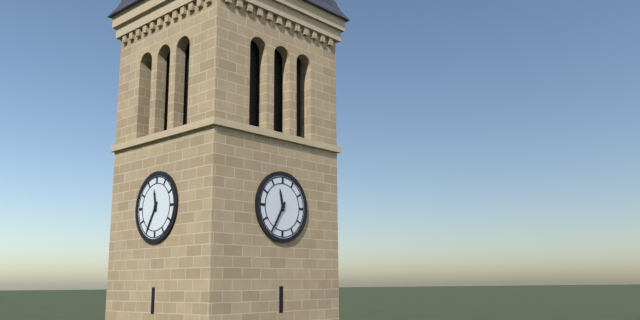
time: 11:35
